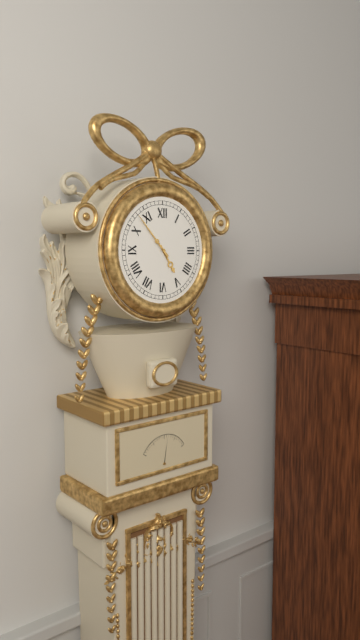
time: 4:53
